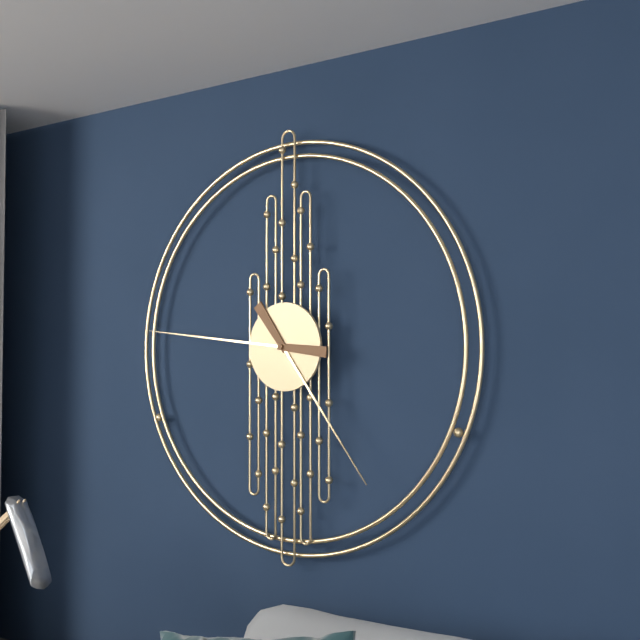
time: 4:46
